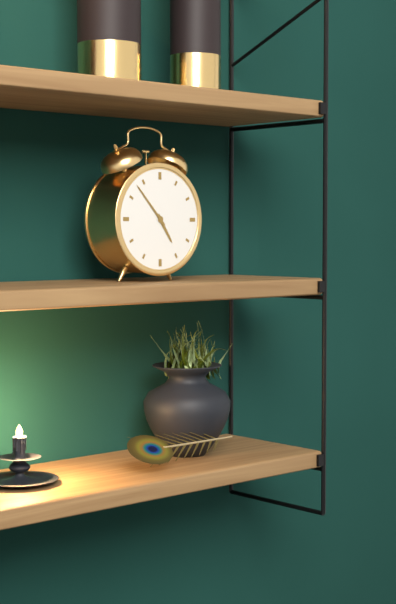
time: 4:53
